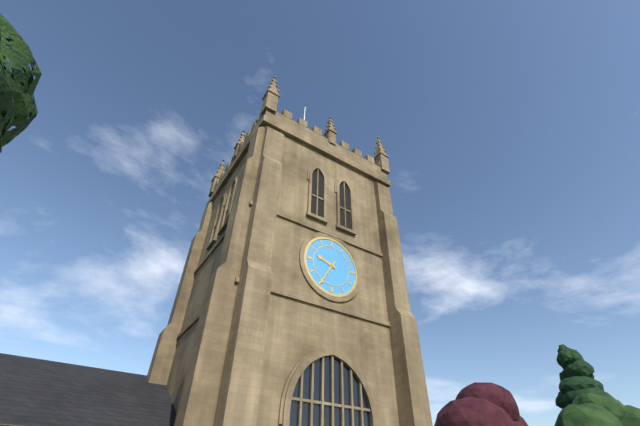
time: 9:35
